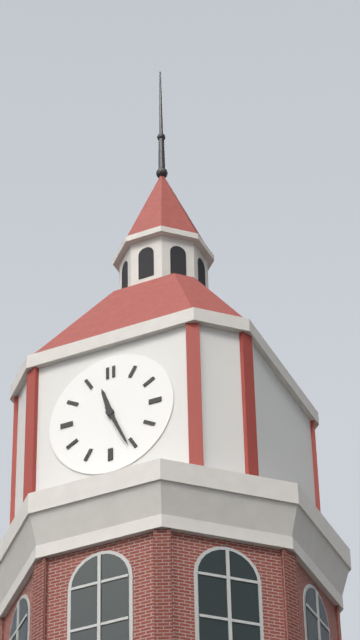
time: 11:26
